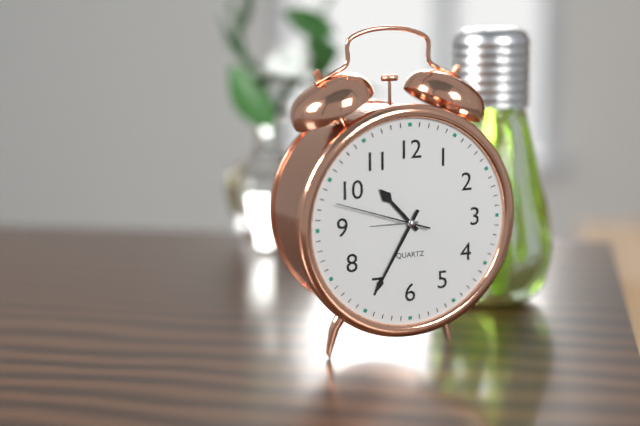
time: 10:35:48
